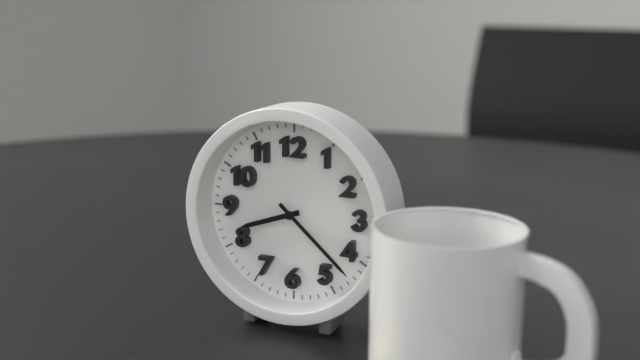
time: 8:22
